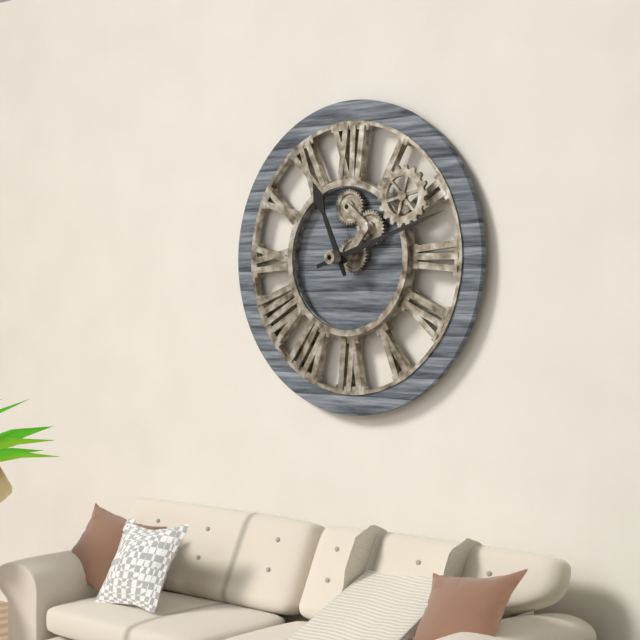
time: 11:12
